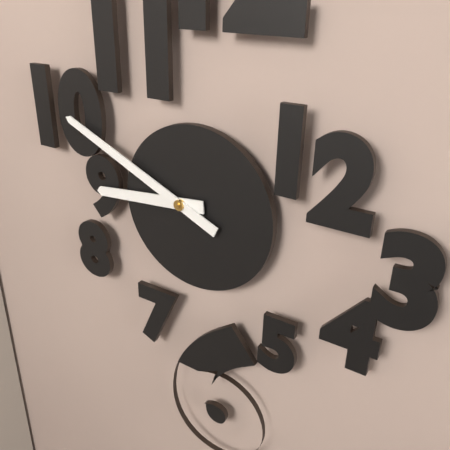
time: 8:49
